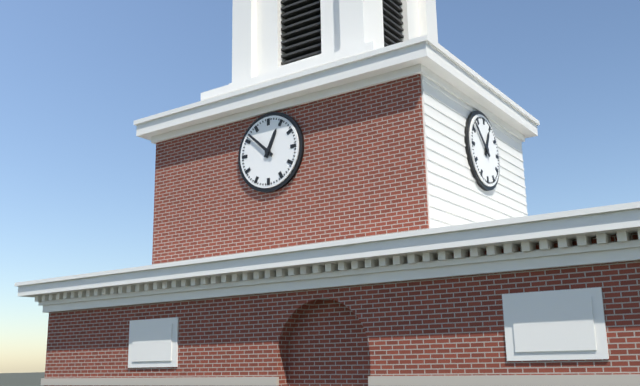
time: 12:52
